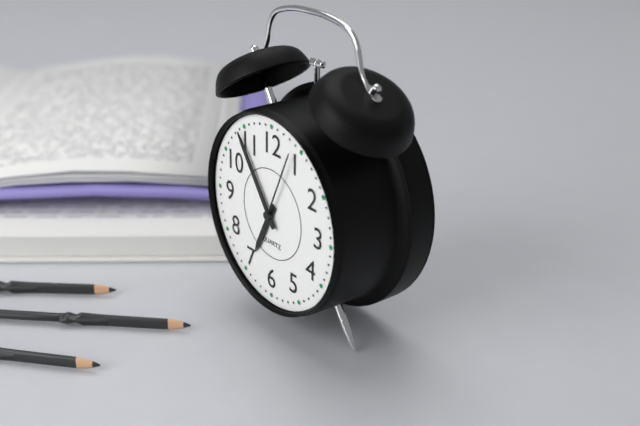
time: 6:54:04
